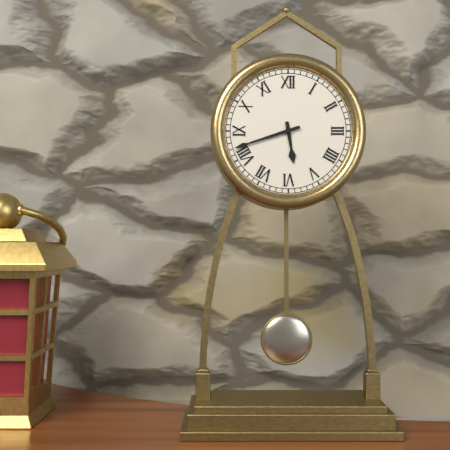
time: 5:42
